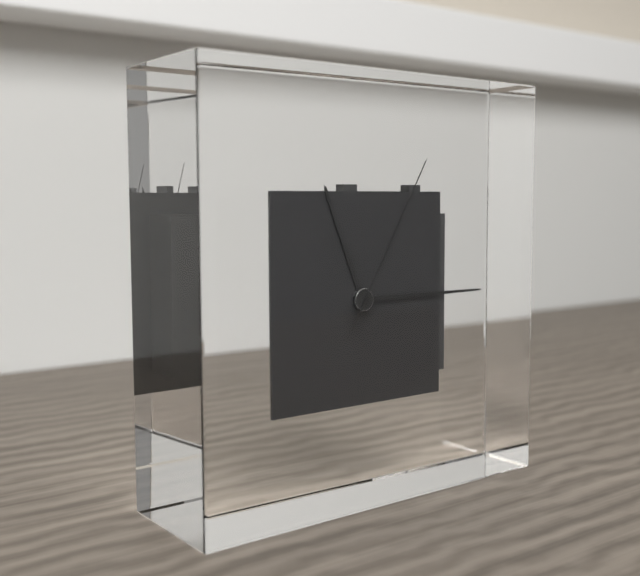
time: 11:15:05
